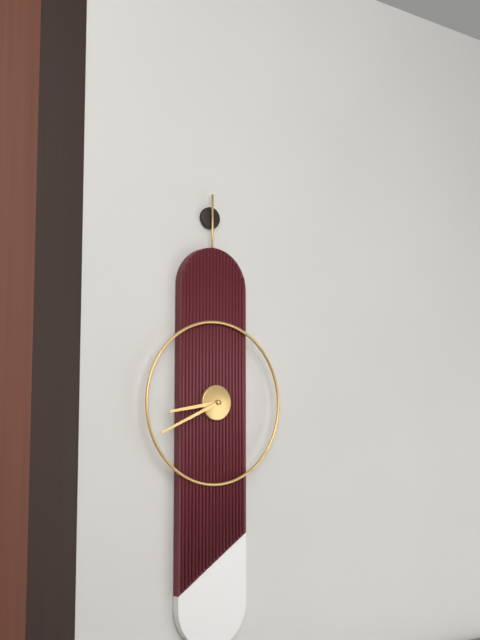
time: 8:41
